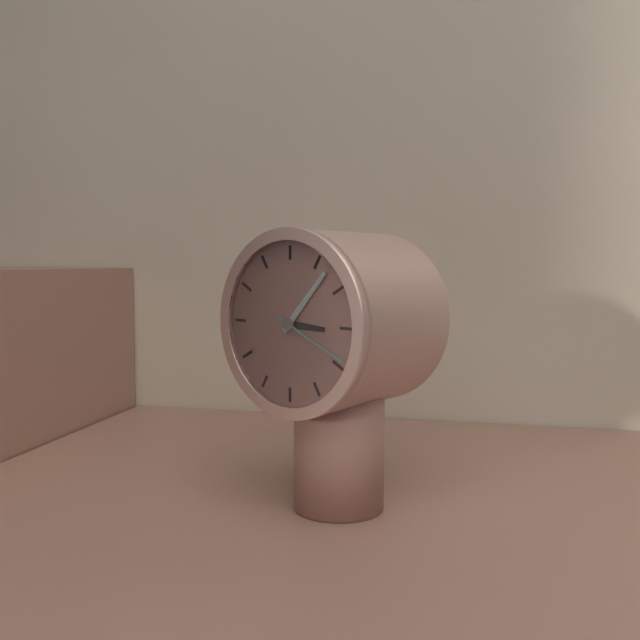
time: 3:07:19
